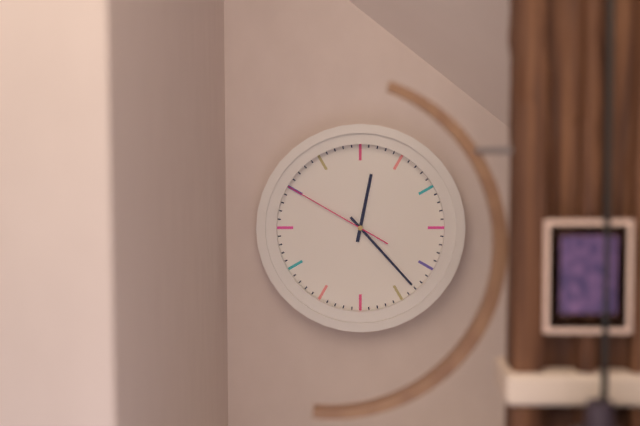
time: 12:23:50
